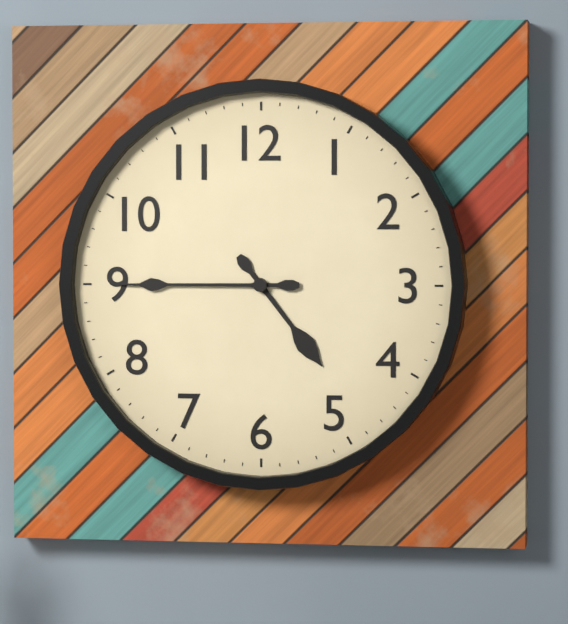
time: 4:45
